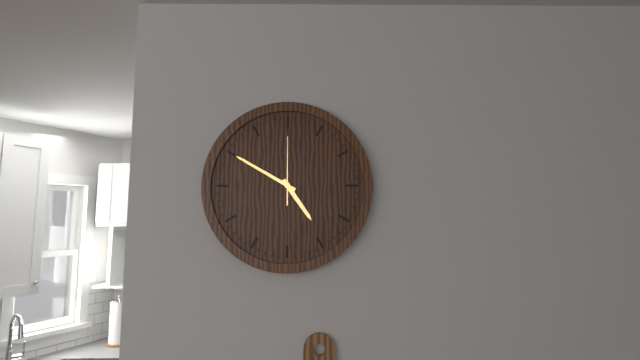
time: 4:50:00
